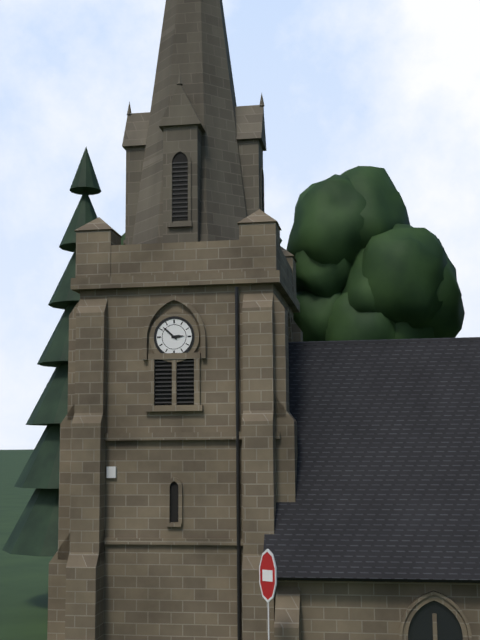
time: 2:52
